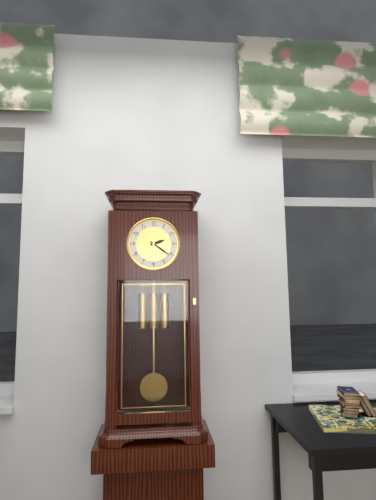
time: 2:21
